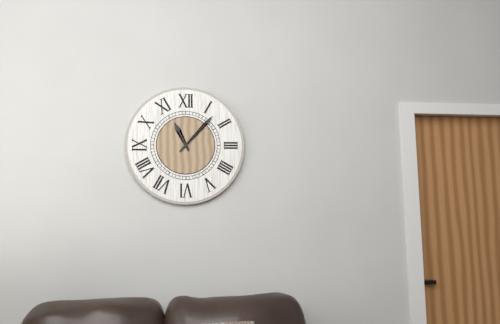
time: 11:07
